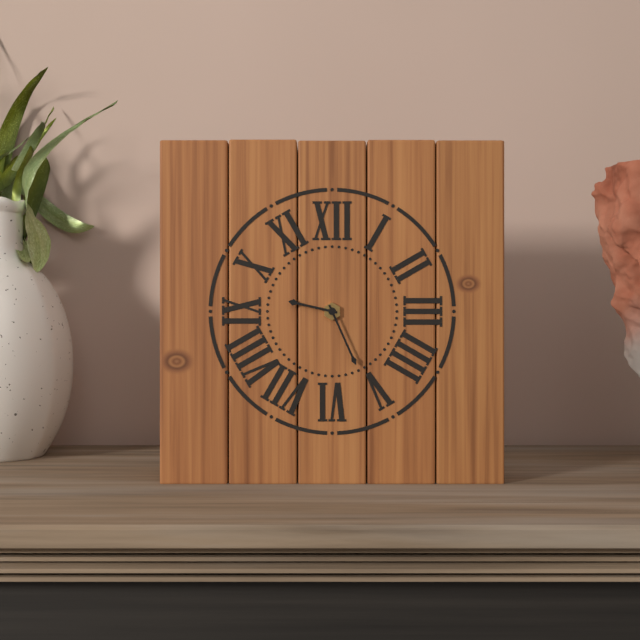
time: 9:26
